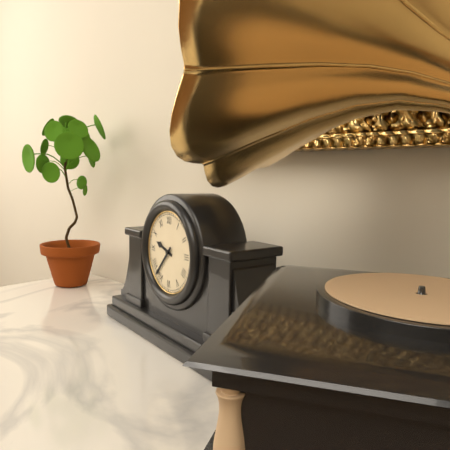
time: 9:37
